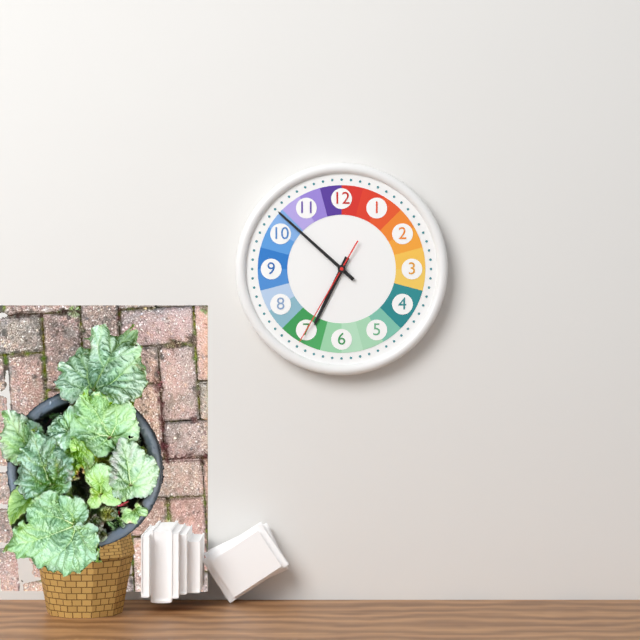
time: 6:52:35
